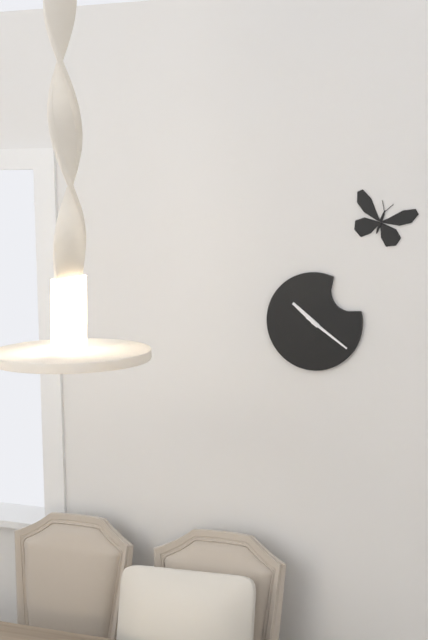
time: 10:21
